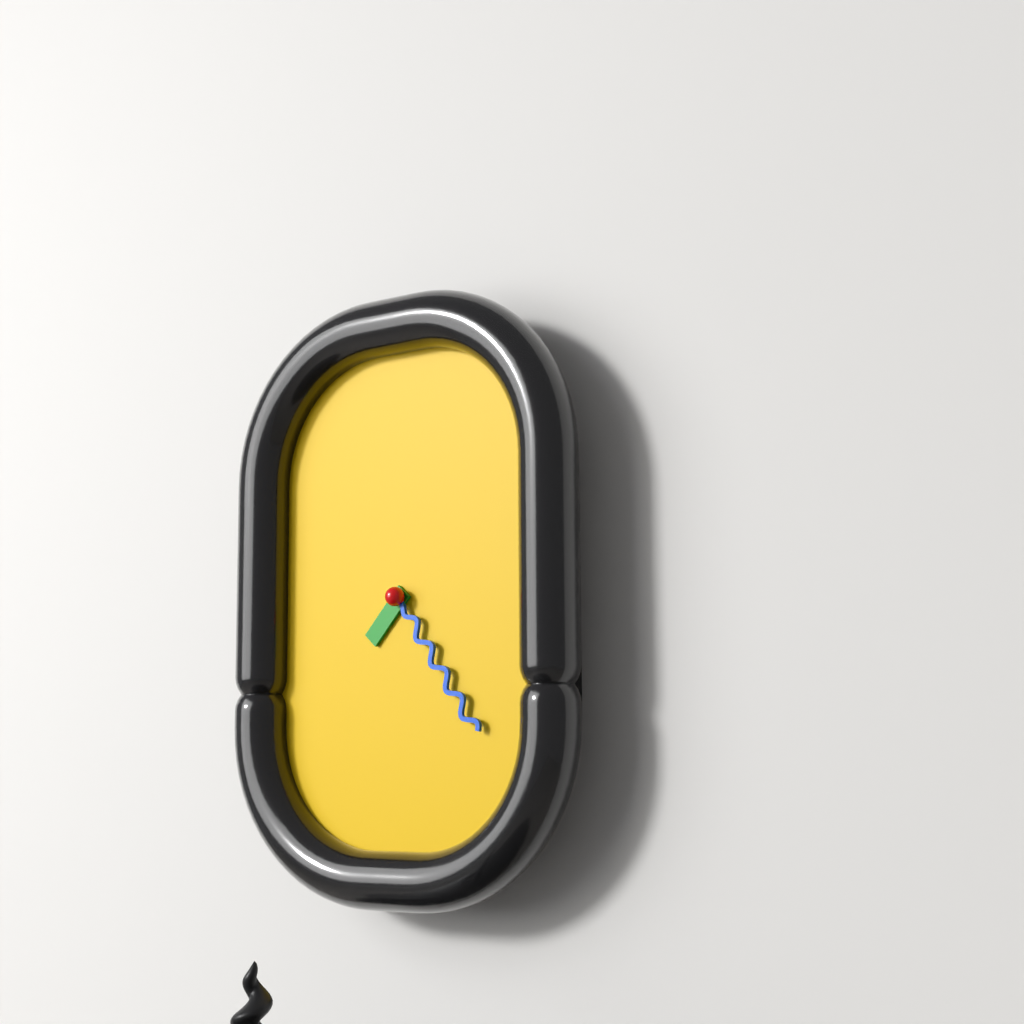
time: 7:24
